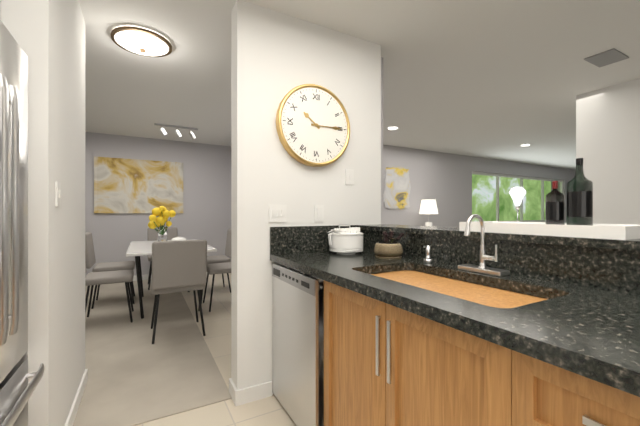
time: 10:15
